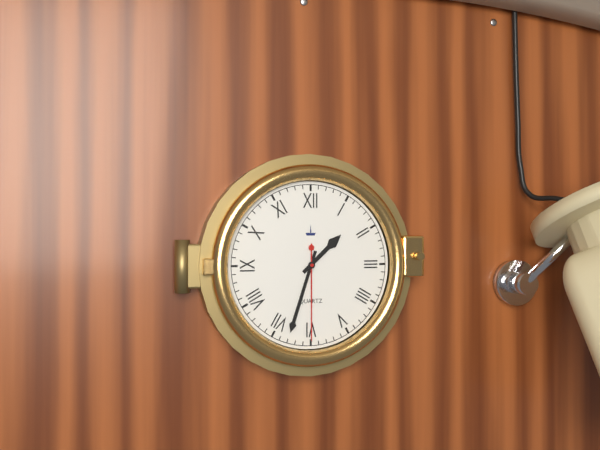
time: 1:33:30
